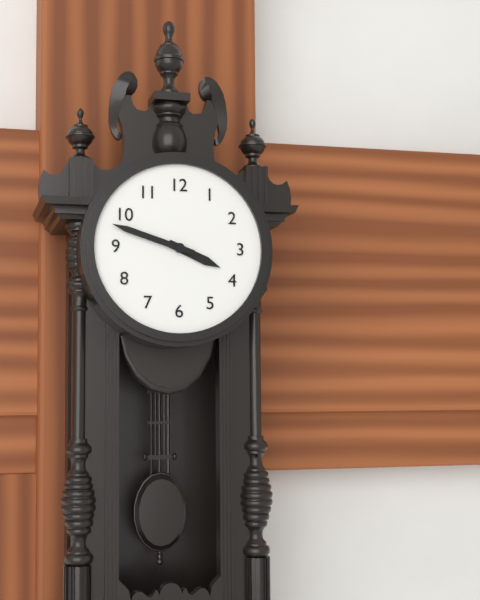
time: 3:48
